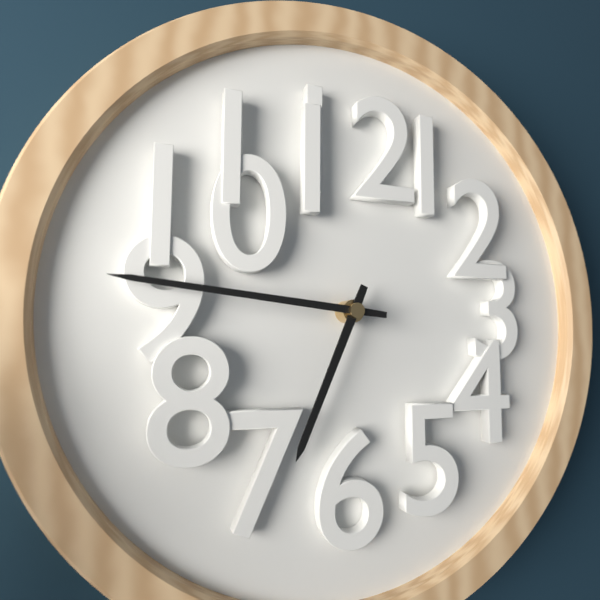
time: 6:46
